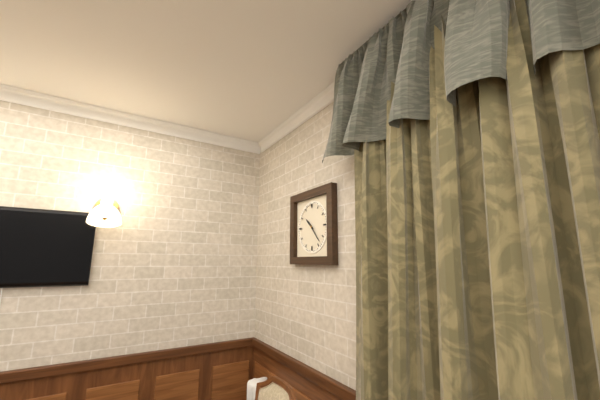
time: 10:23
